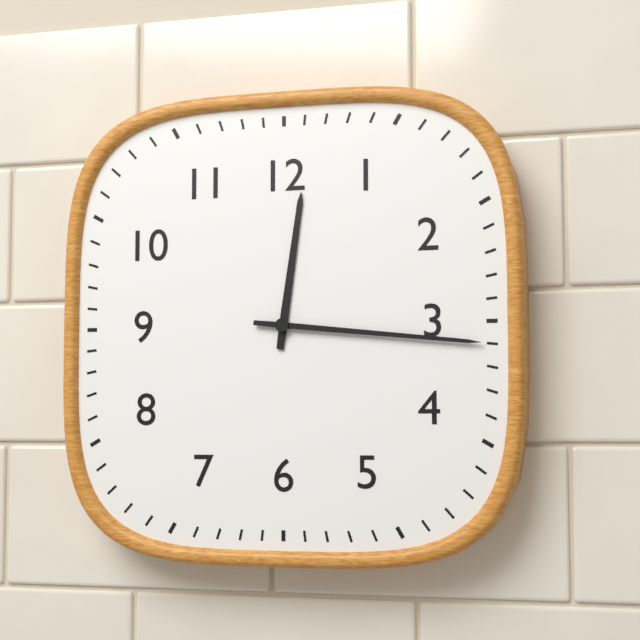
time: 12:16
